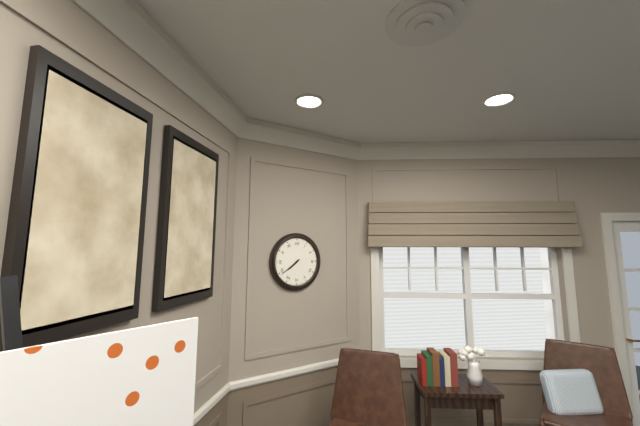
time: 7:39
